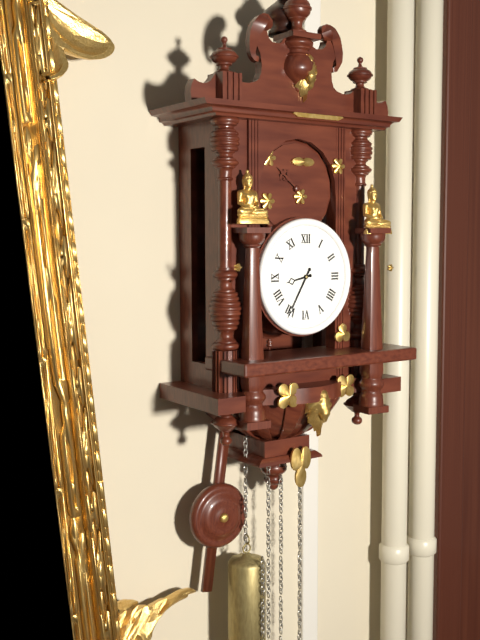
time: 8:35
